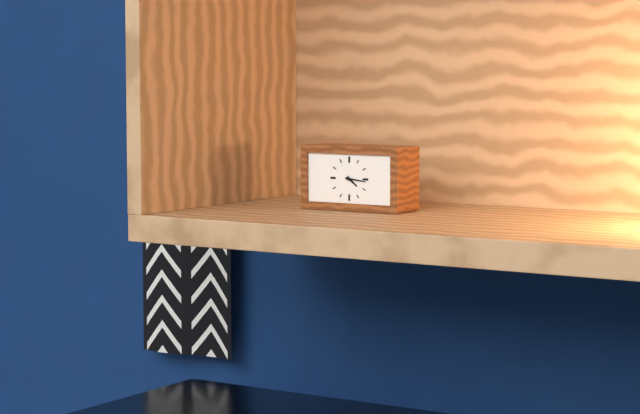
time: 4:16
